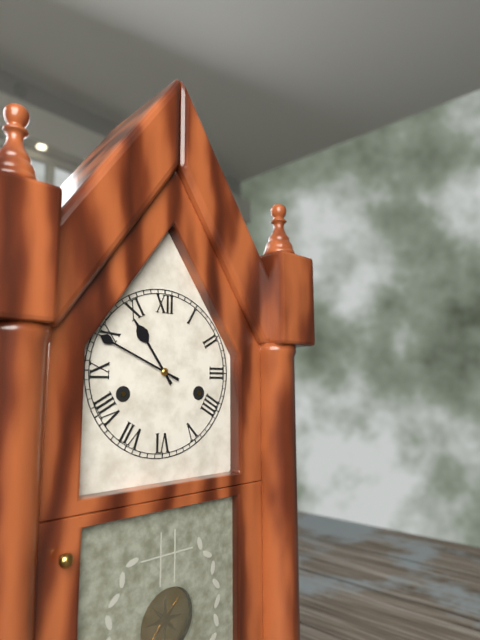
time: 10:49
